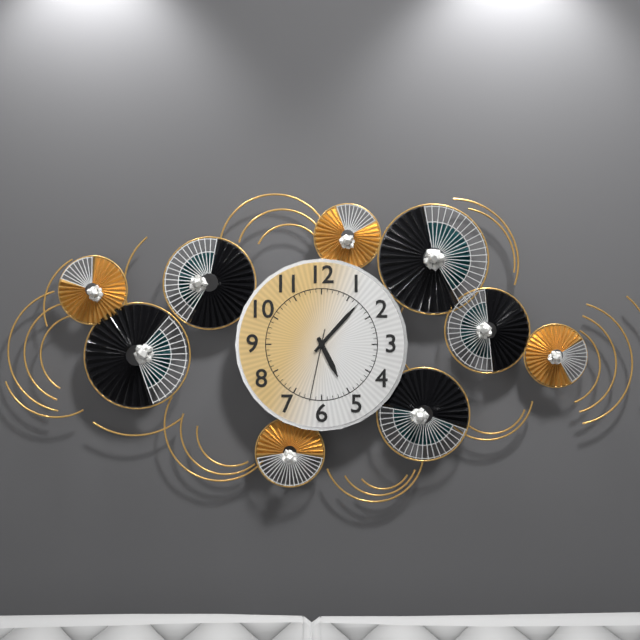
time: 5:07:32
